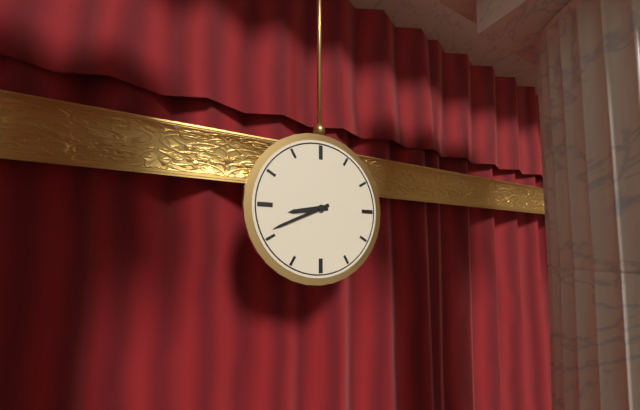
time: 8:41
